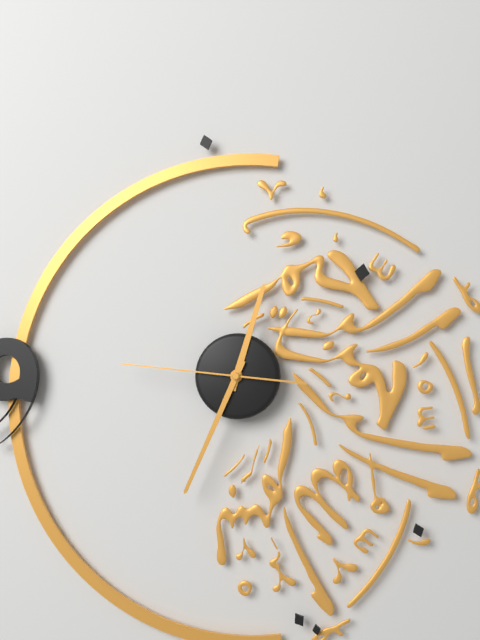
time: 12:34:46
